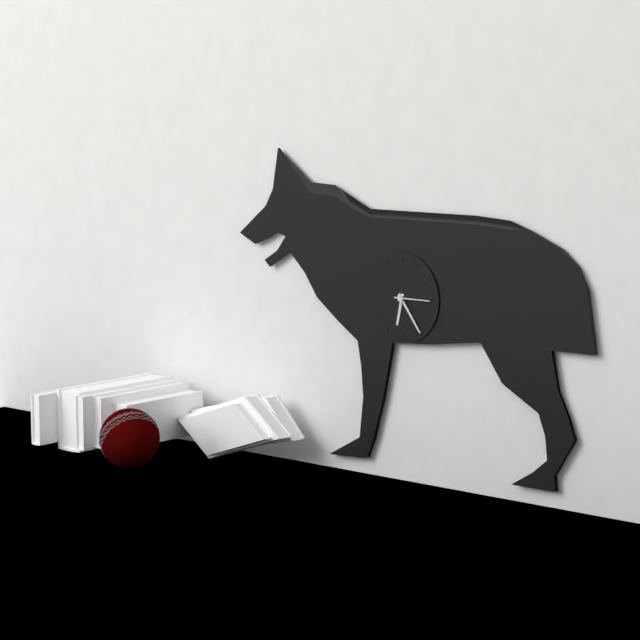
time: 6:24
